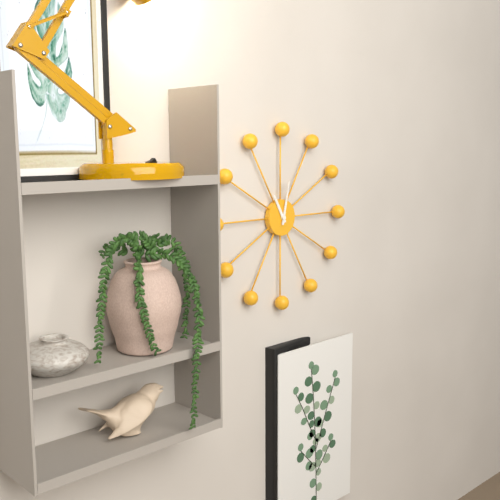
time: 11:02
